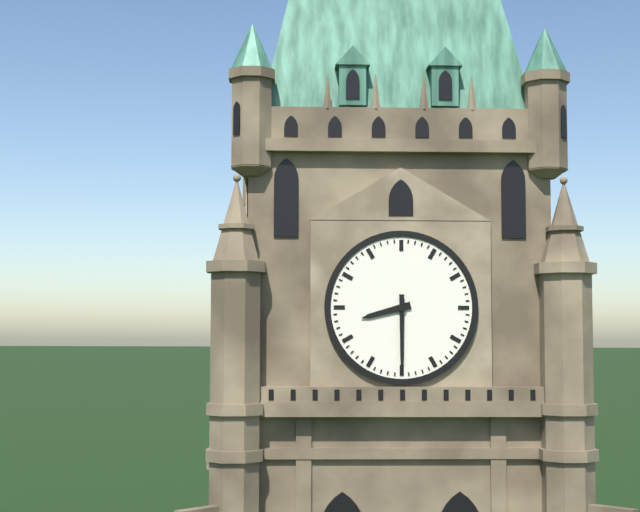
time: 8:30
